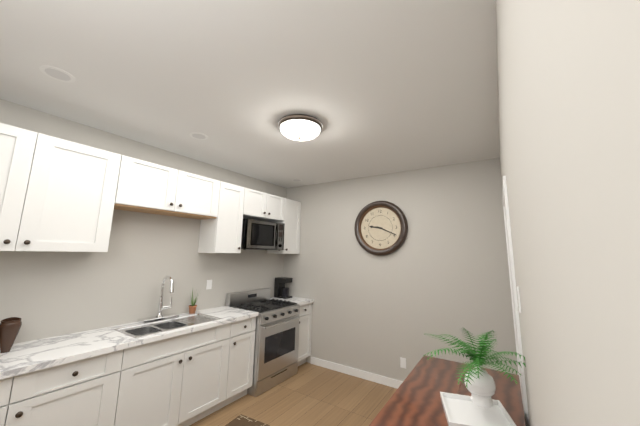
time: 9:19
